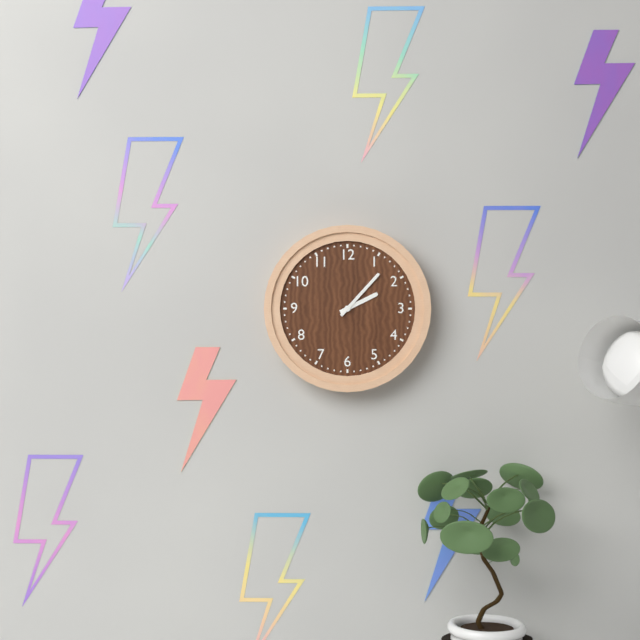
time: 2:07
